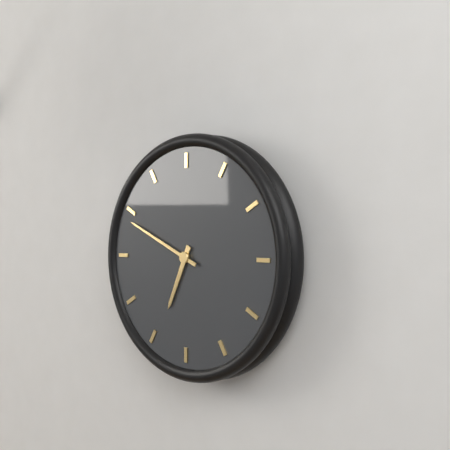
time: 6:49
